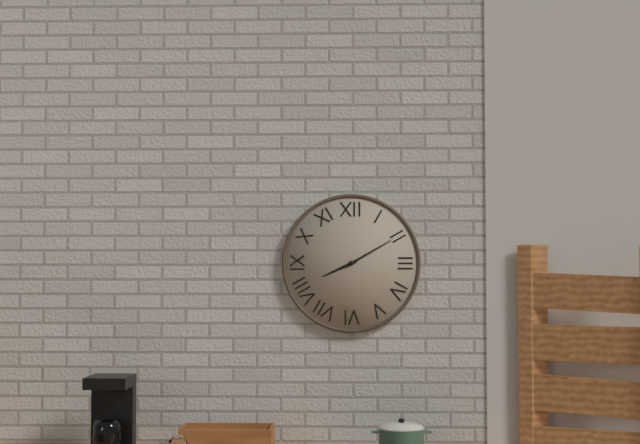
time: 8:10
